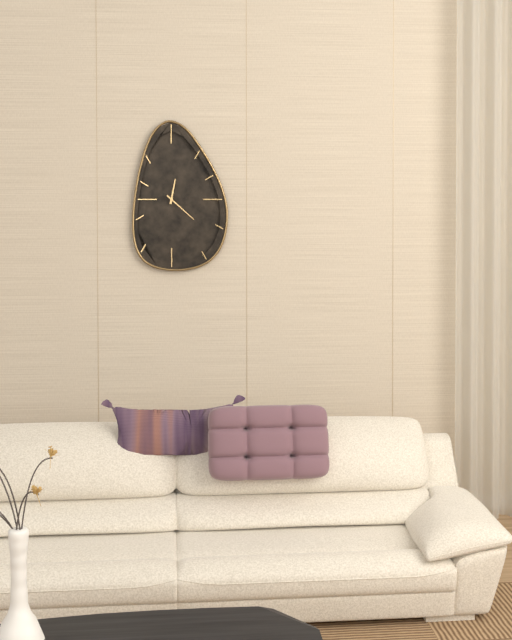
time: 12:22
